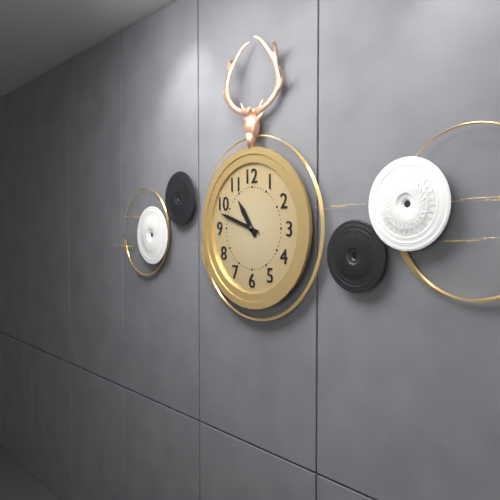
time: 10:48
